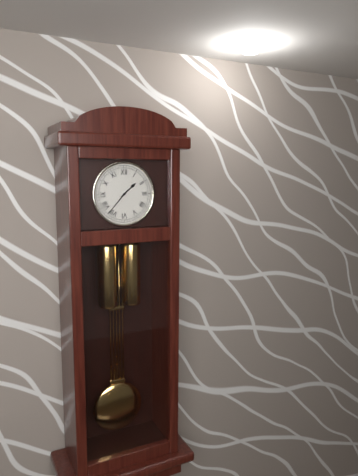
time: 1:37
